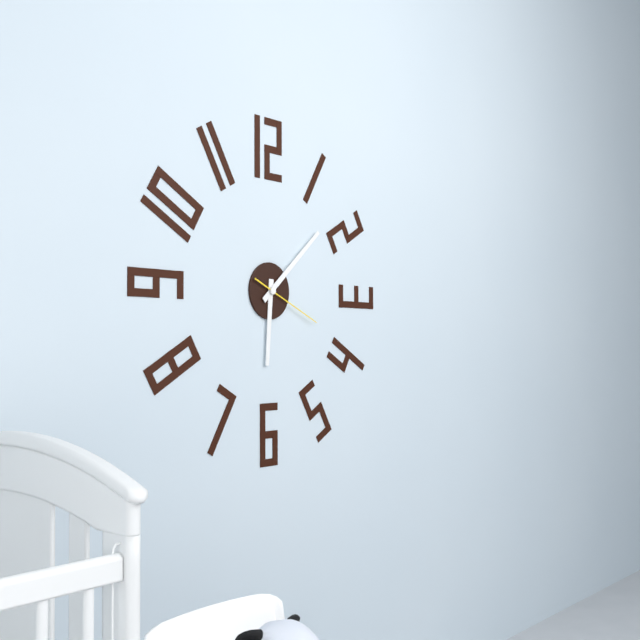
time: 6:08:19
